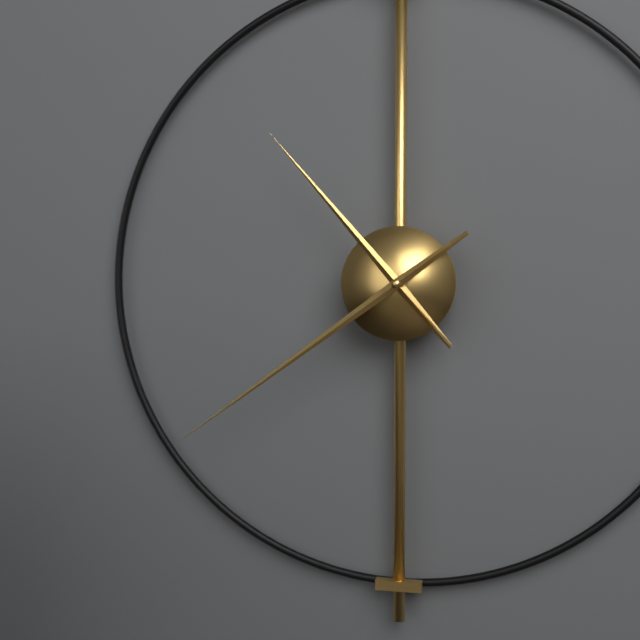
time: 10:39
